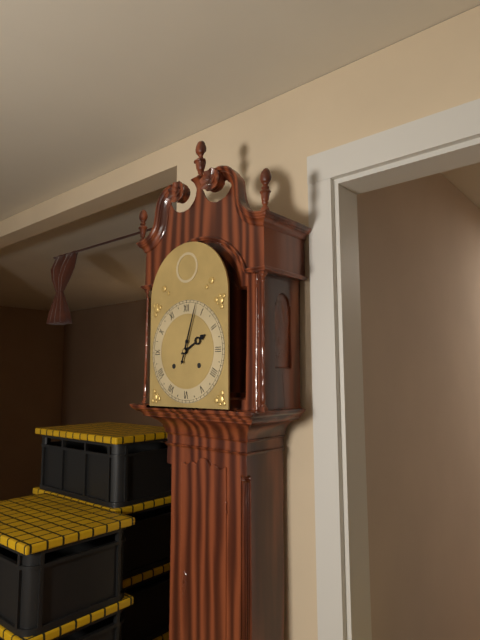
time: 2:03
